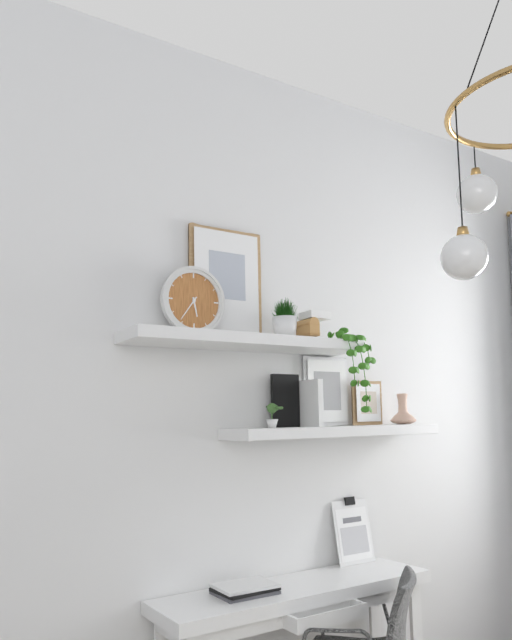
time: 5:36
